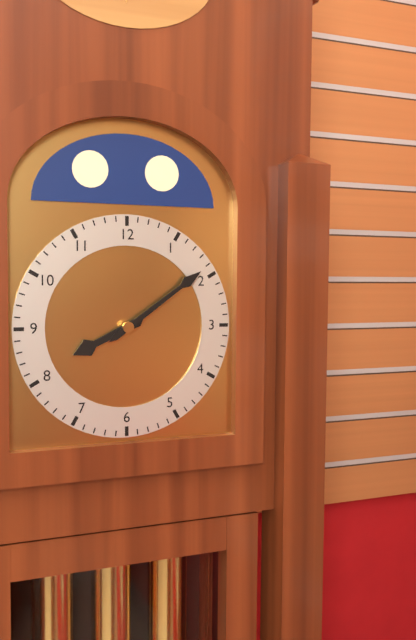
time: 8:09
